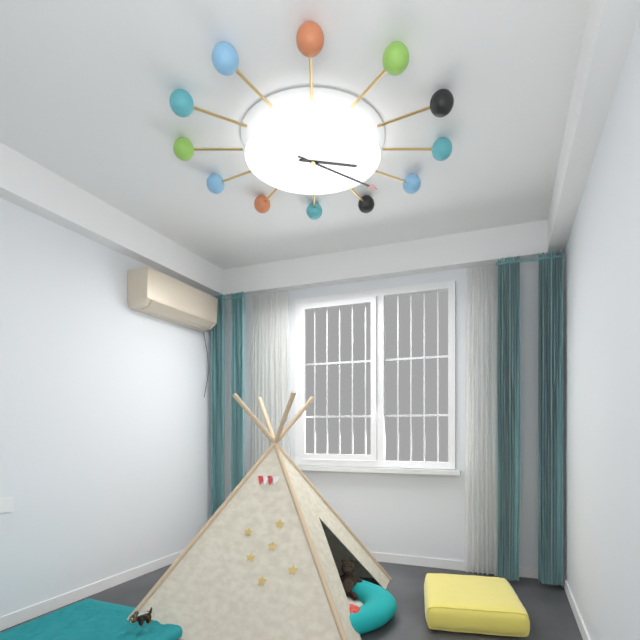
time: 3:21
